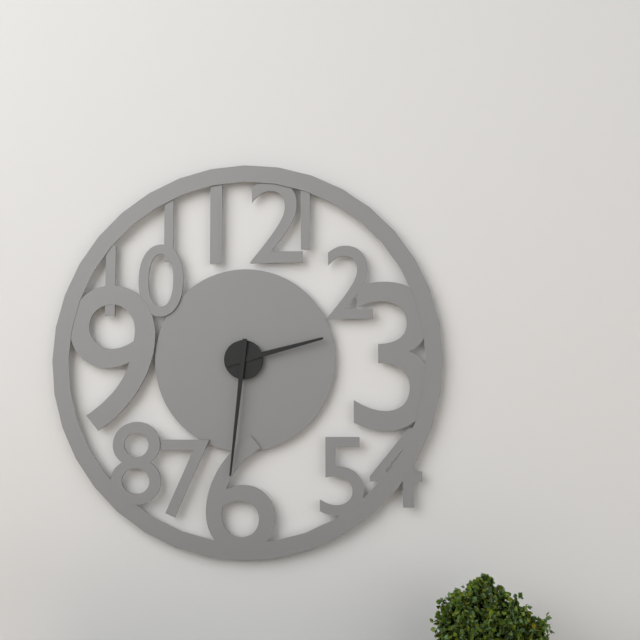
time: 2:31
